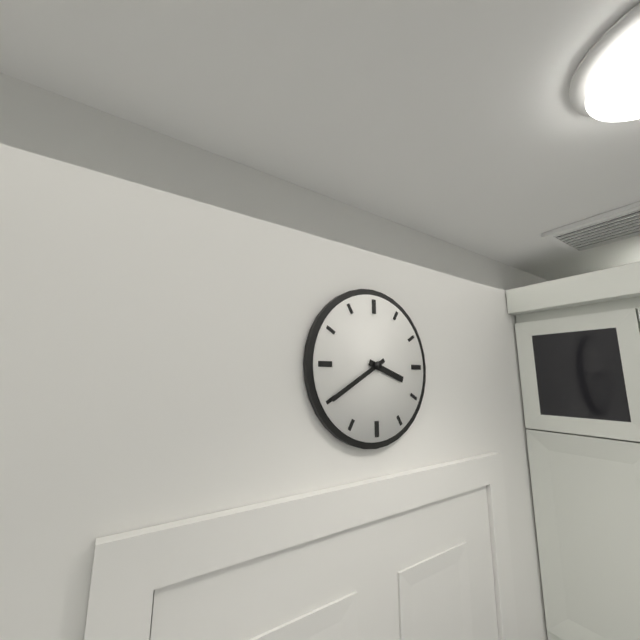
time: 3:40
